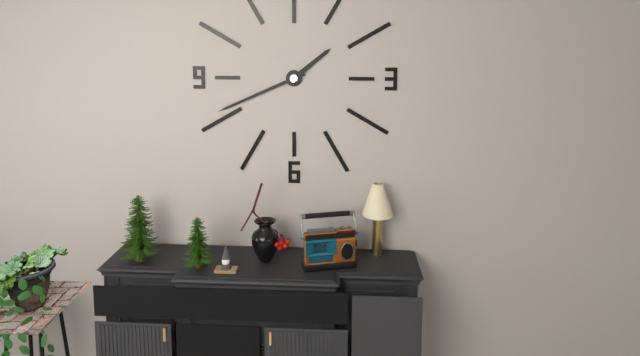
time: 1:41
